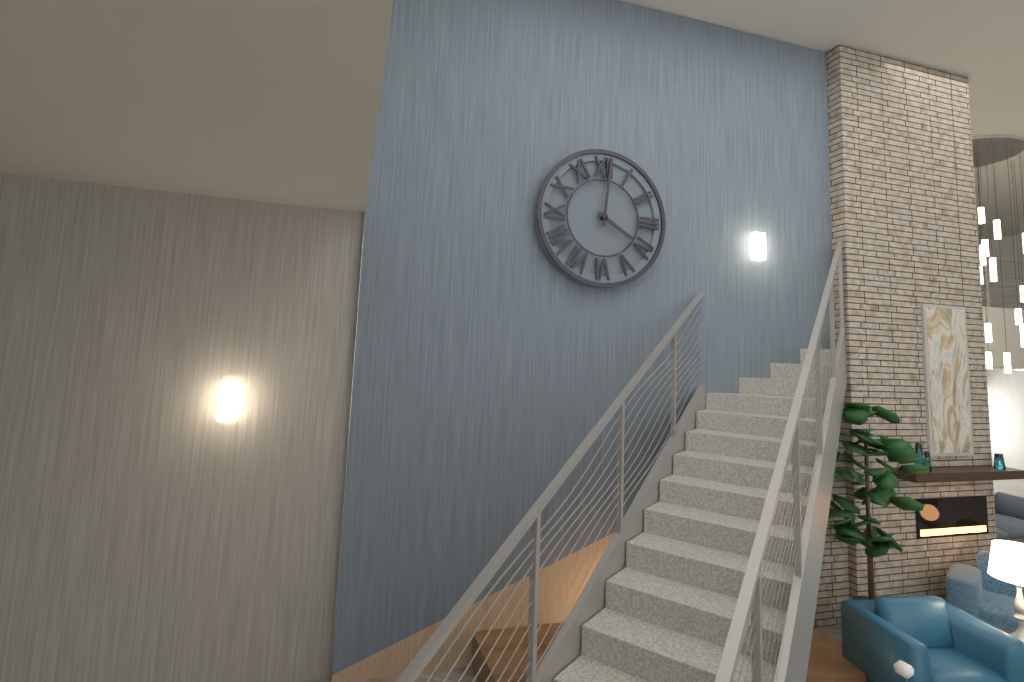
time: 4:01
